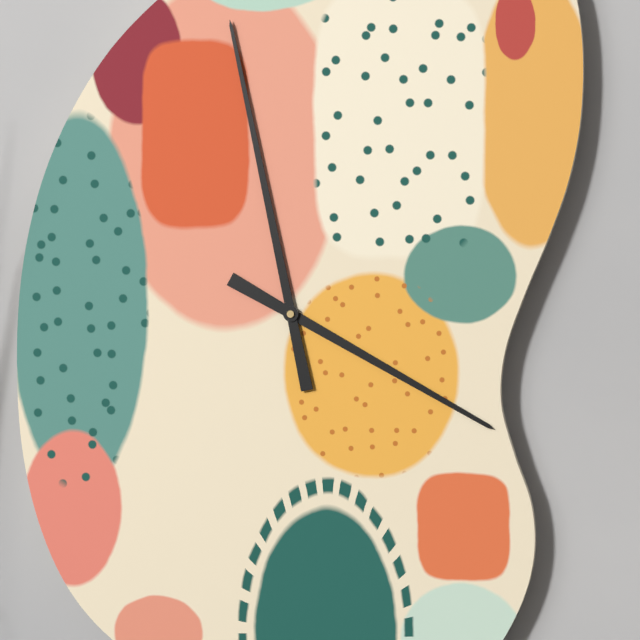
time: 3:58
